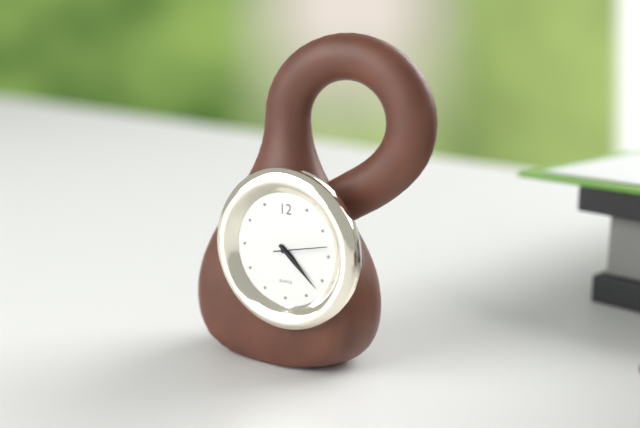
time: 4:22:13
